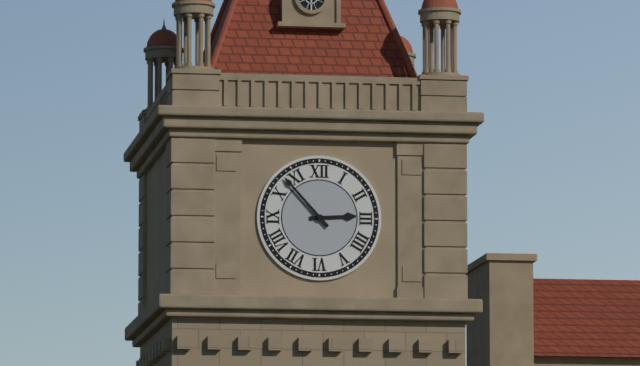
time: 2:53
